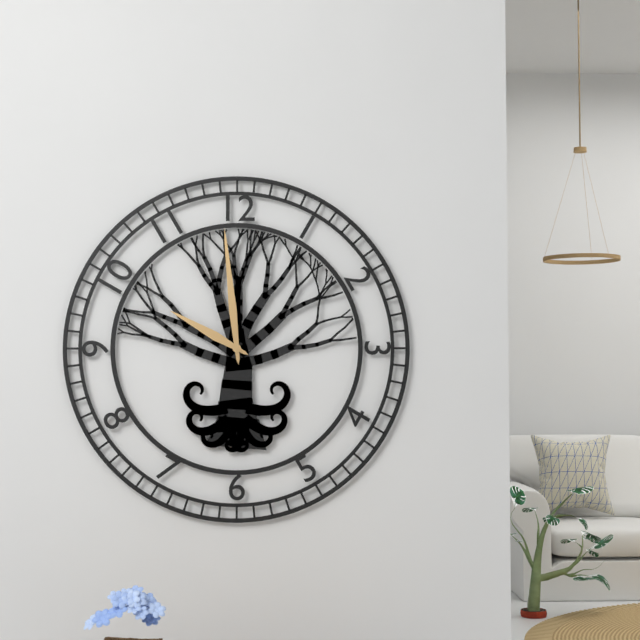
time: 9:59
